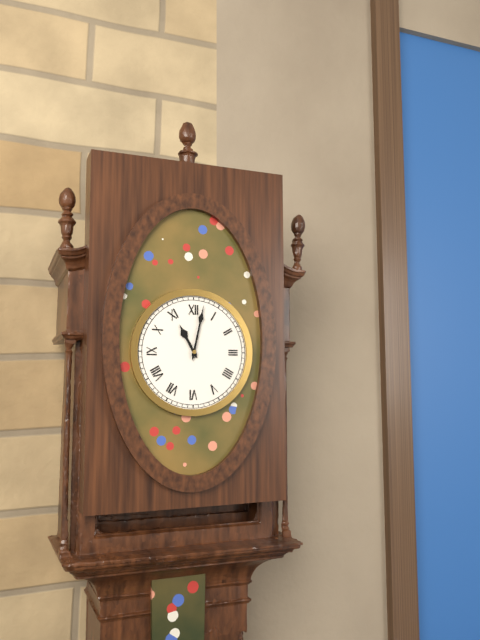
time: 11:02
